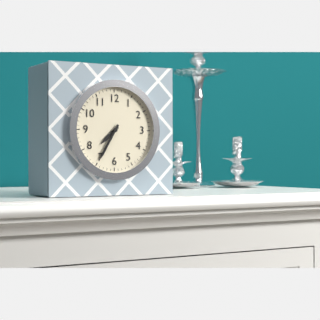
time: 7:35
